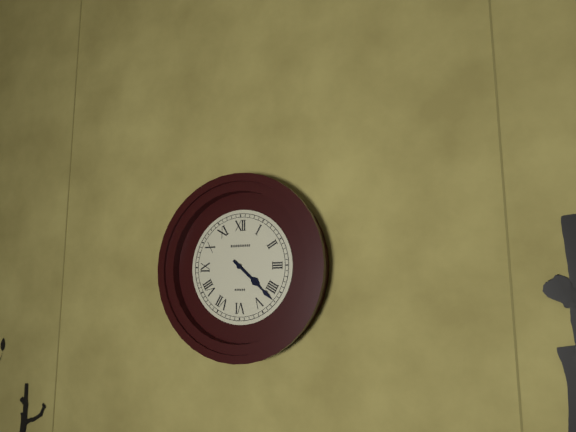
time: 4:22
